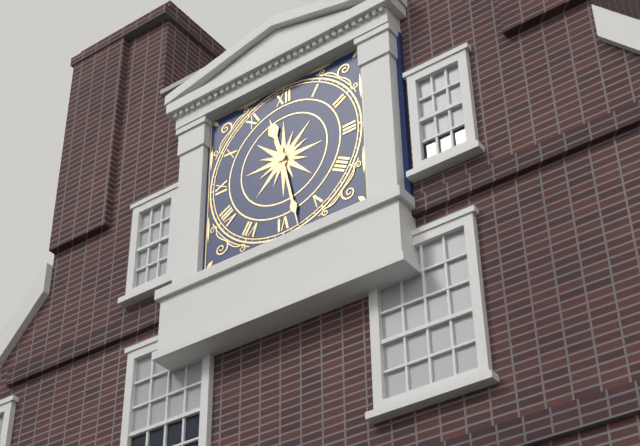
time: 11:28
